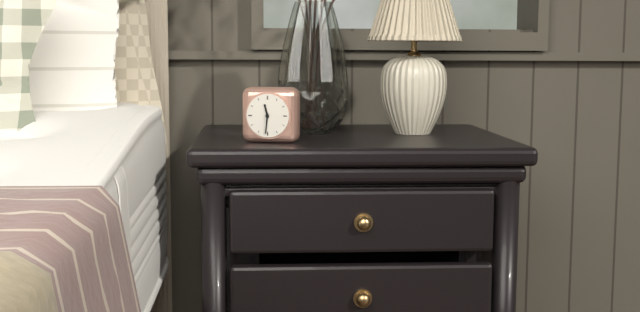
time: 11:31
